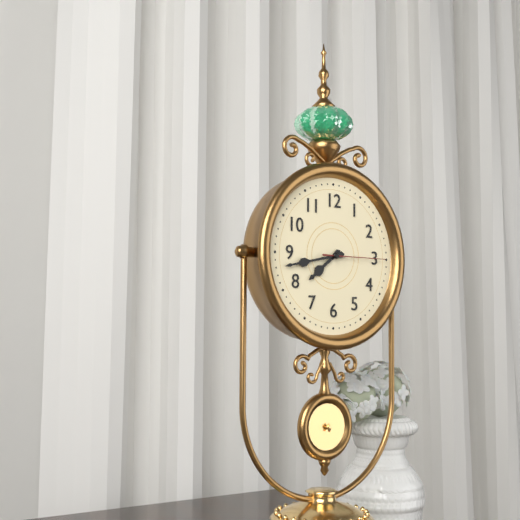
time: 7:43:15
